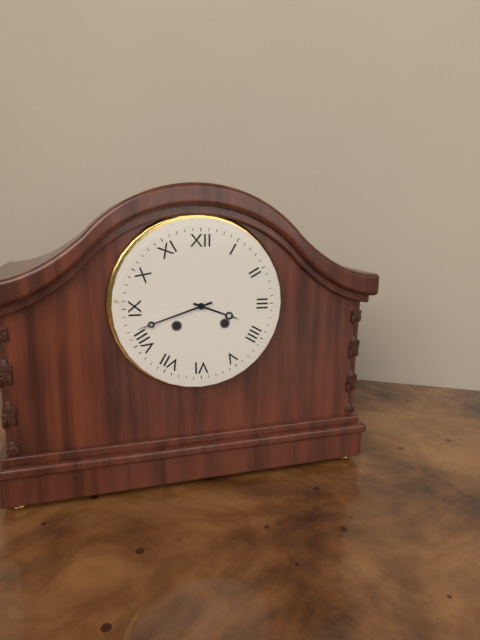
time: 3:42
